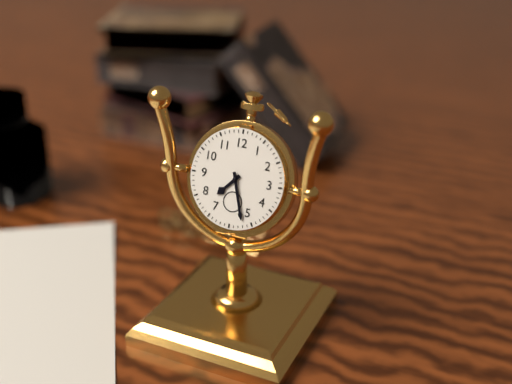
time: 7:27
